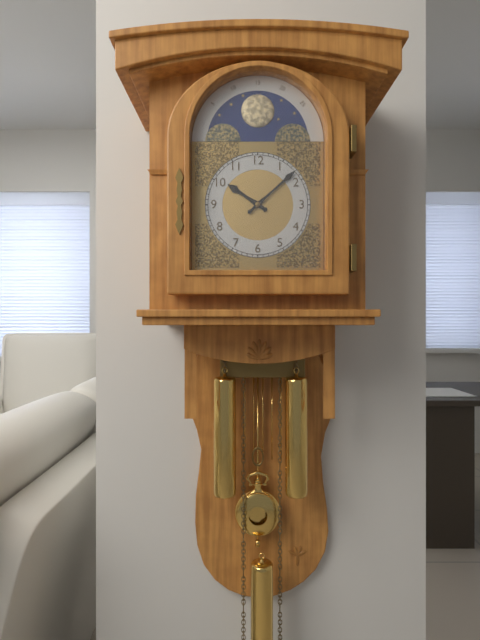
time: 10:08
